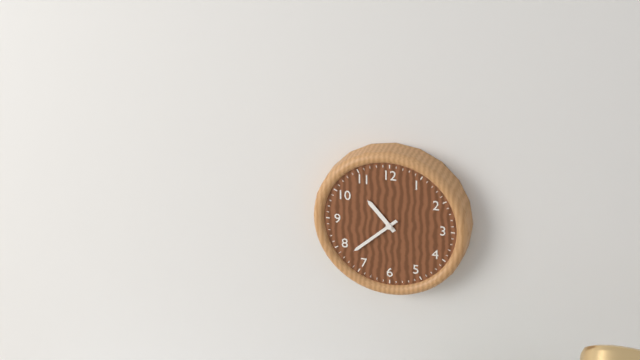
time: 10:38
